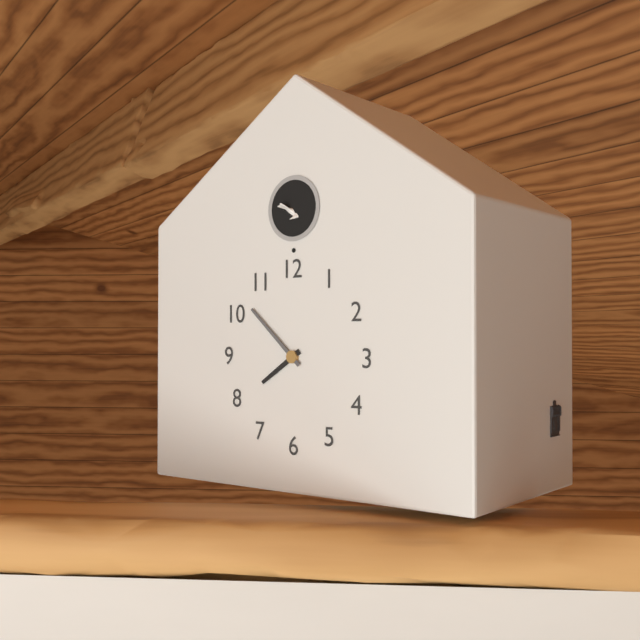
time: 7:52
